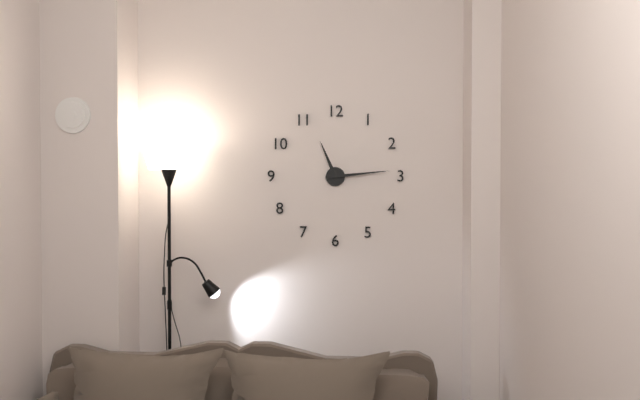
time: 11:14
